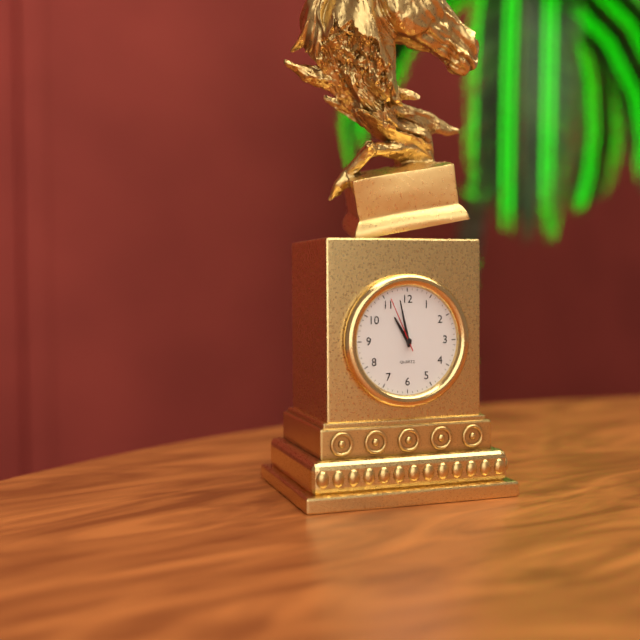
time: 10:58:56
